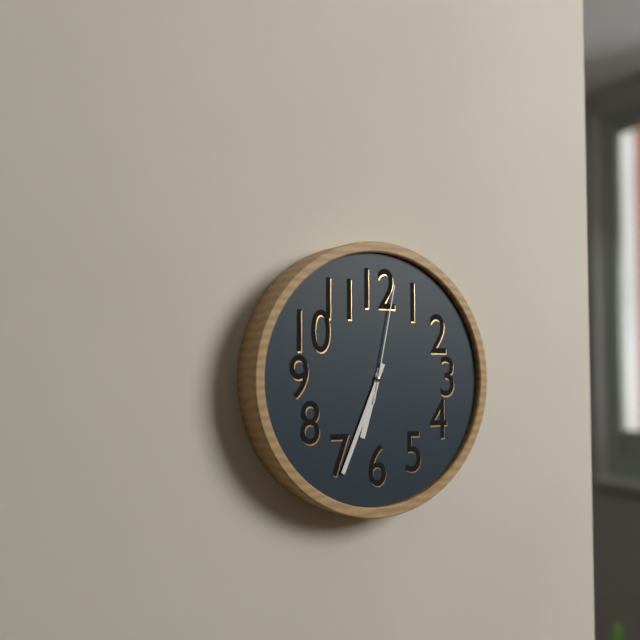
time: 6:34:02
